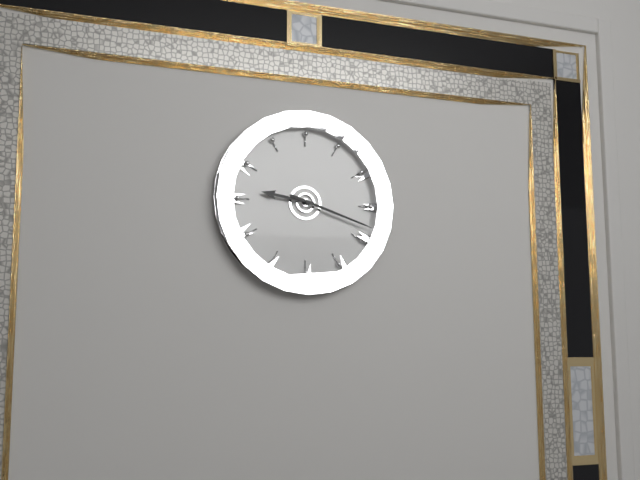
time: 9:18
